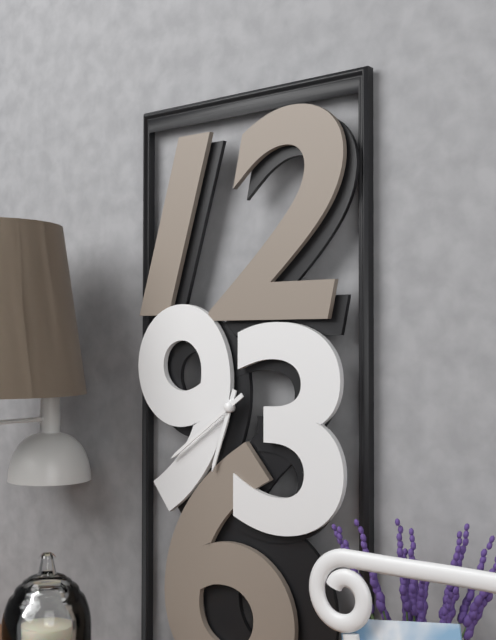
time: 6:39
